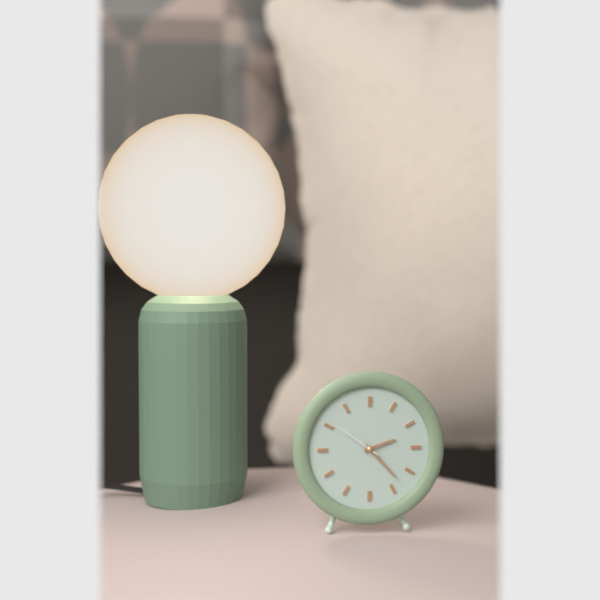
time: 2:23
